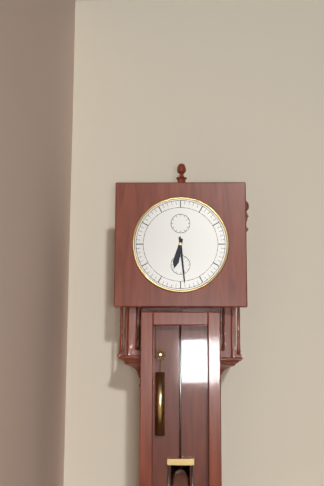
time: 6:29
